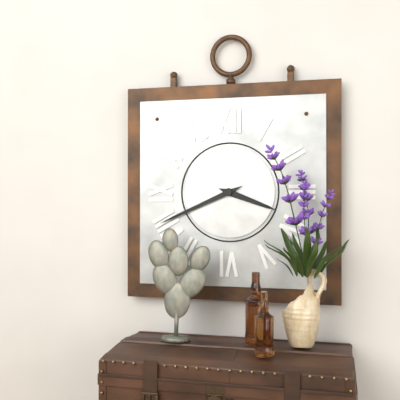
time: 3:41
